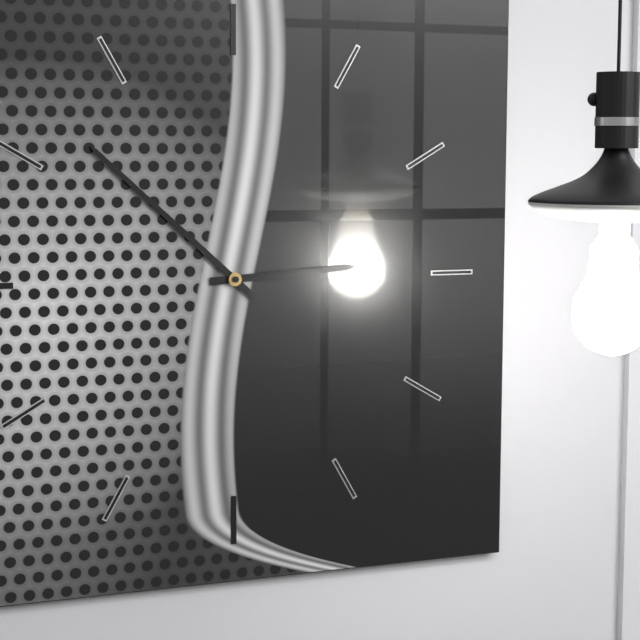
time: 2:52
